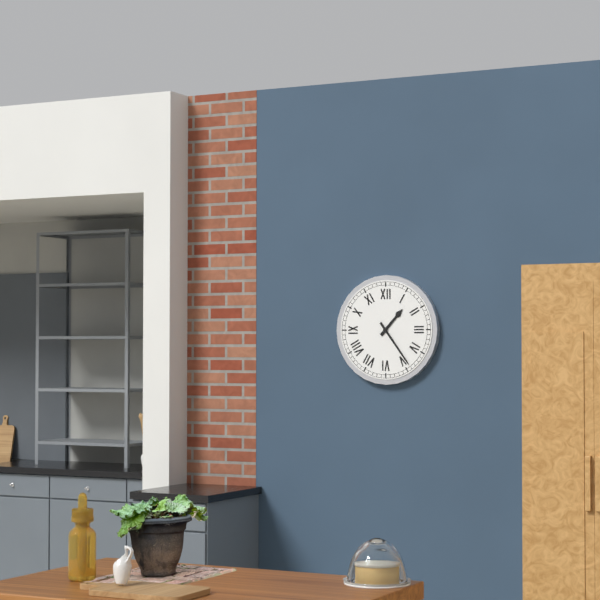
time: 1:24
